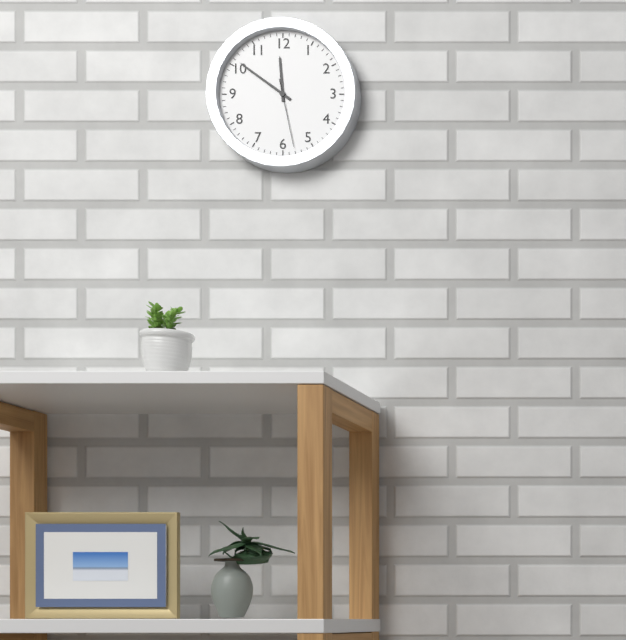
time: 11:51:28
